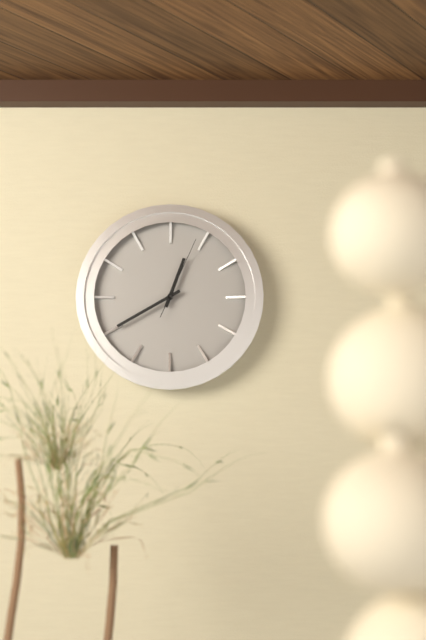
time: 12:40:04
